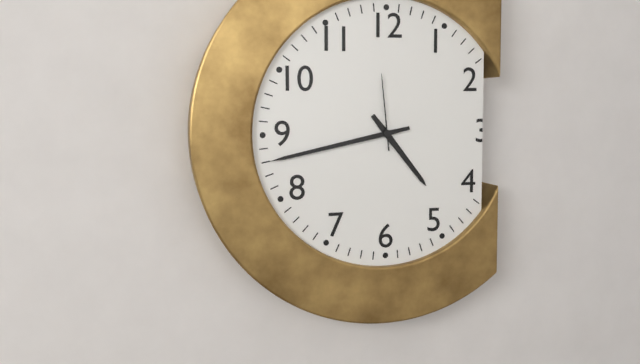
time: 4:43:59
